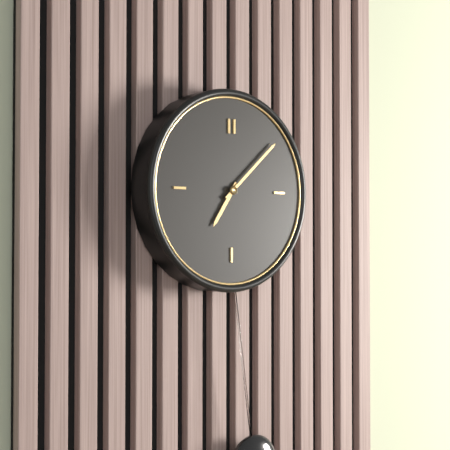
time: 7:08
